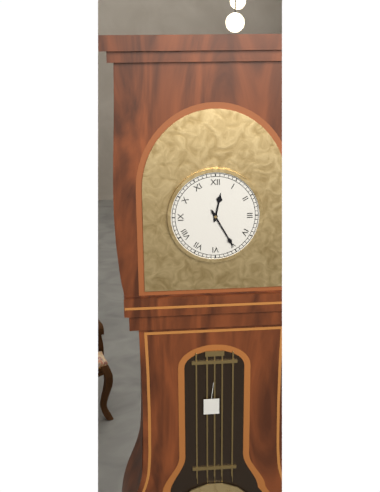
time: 12:25
